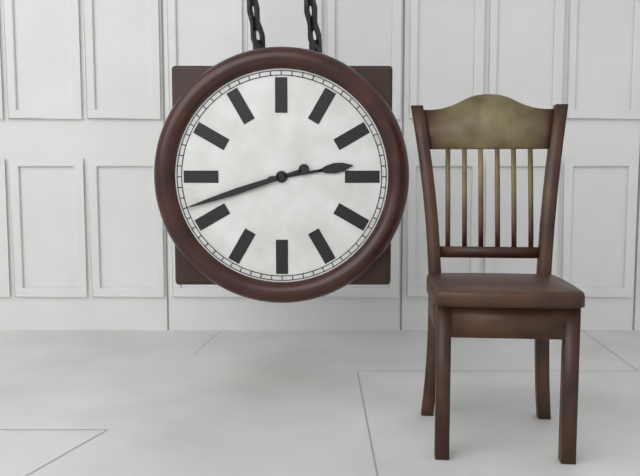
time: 2:42
